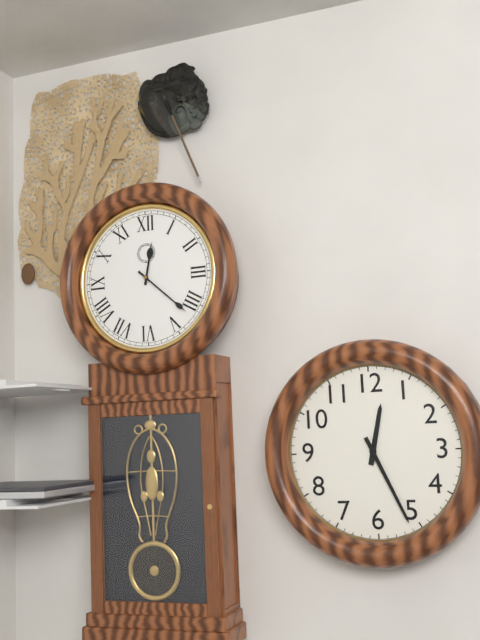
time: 12:22
